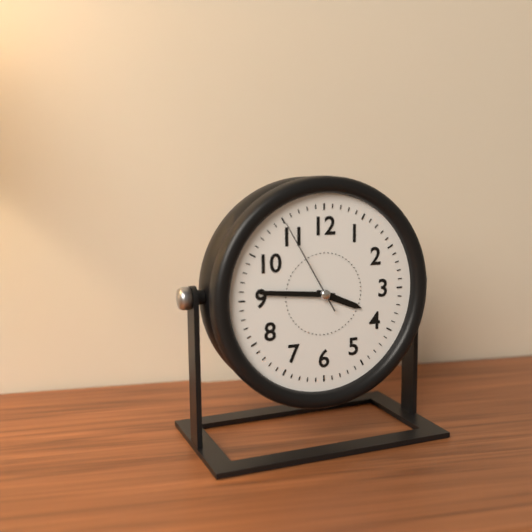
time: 3:46:55
